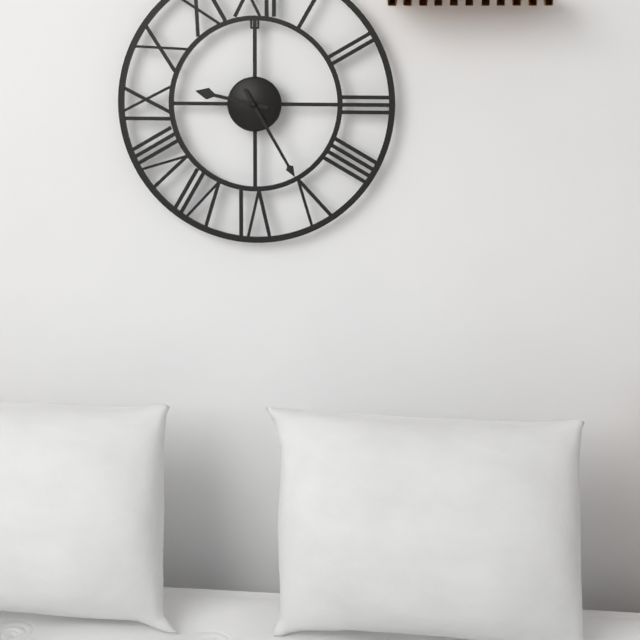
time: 9:25
